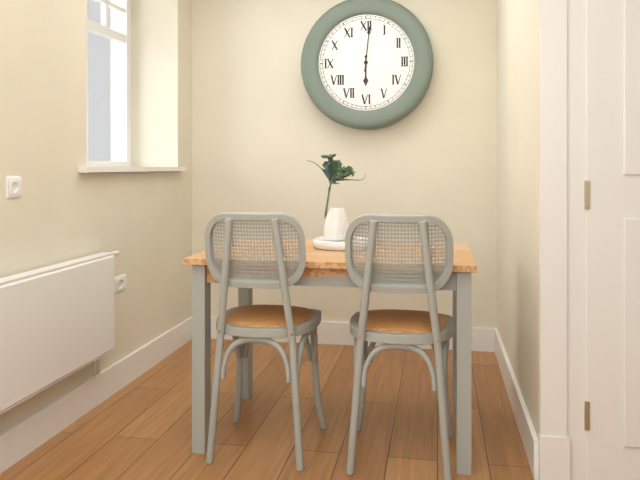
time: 6:01
